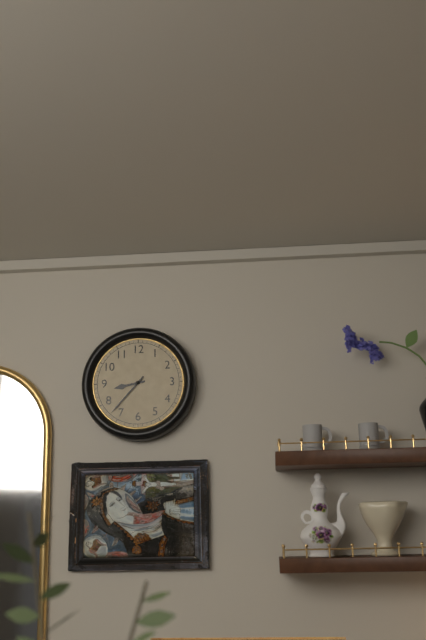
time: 8:37
